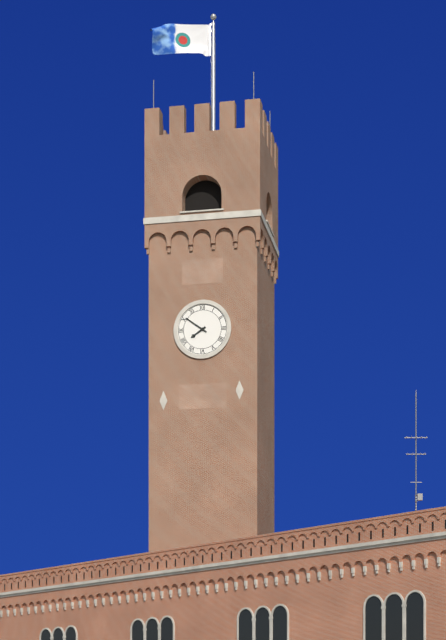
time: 7:51
